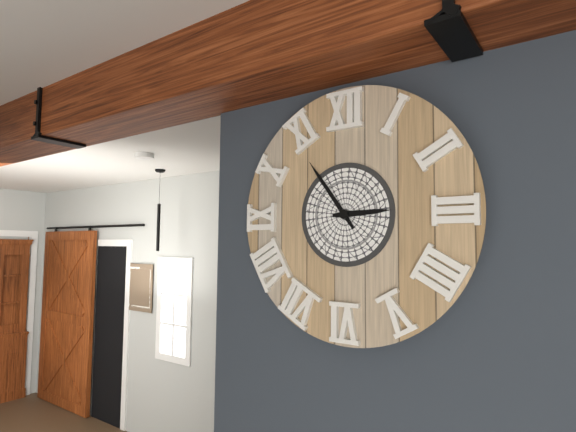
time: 2:54
